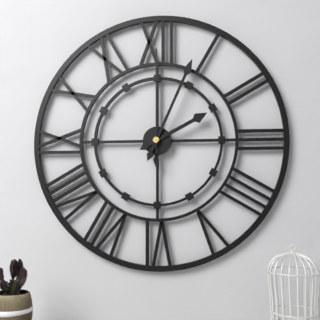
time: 2:04:00
